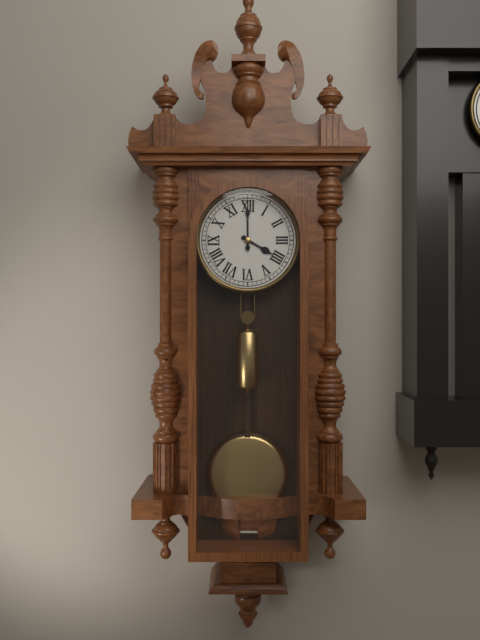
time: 4:00
